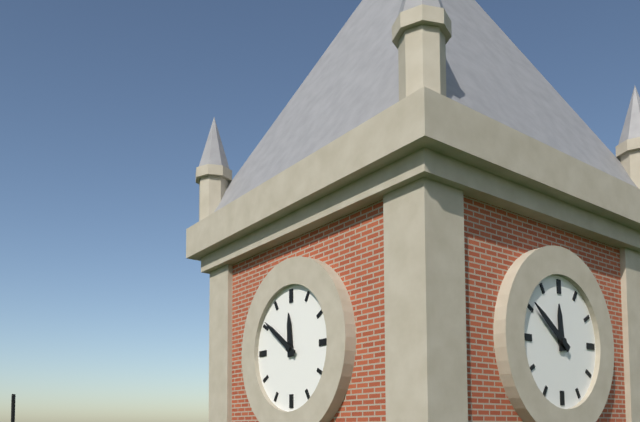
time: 11:51
